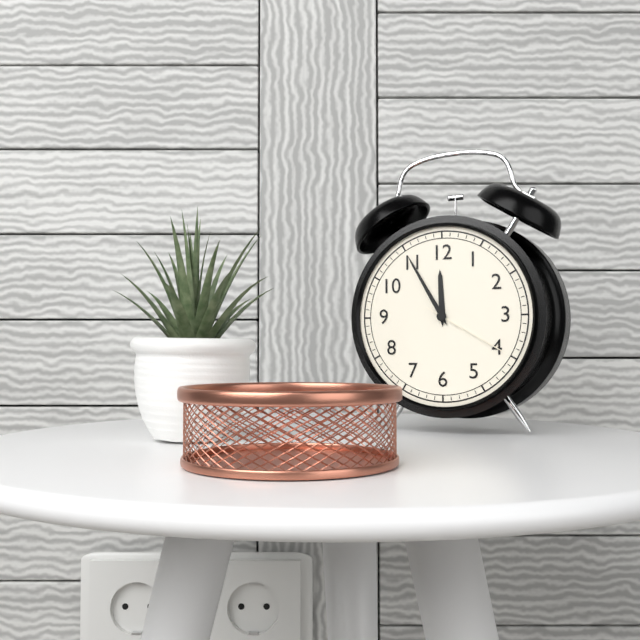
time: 11:55:20
